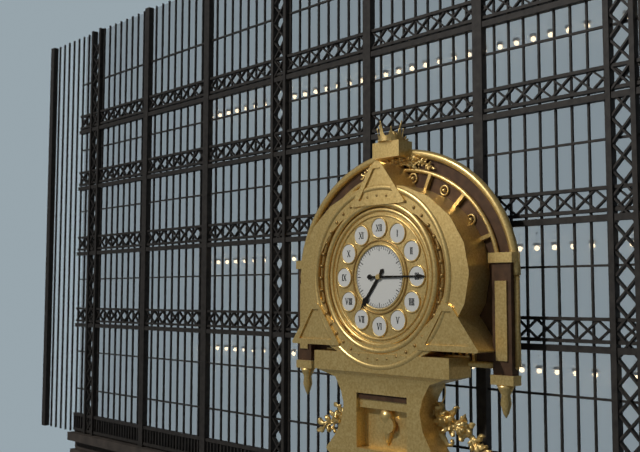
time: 7:15
